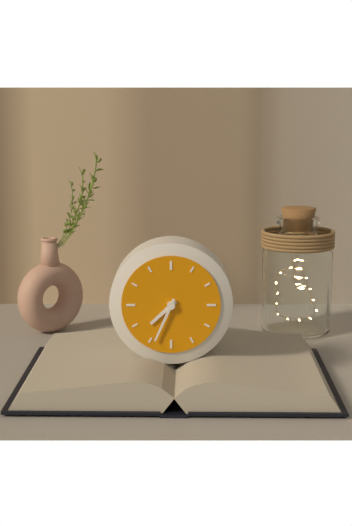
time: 7:34
